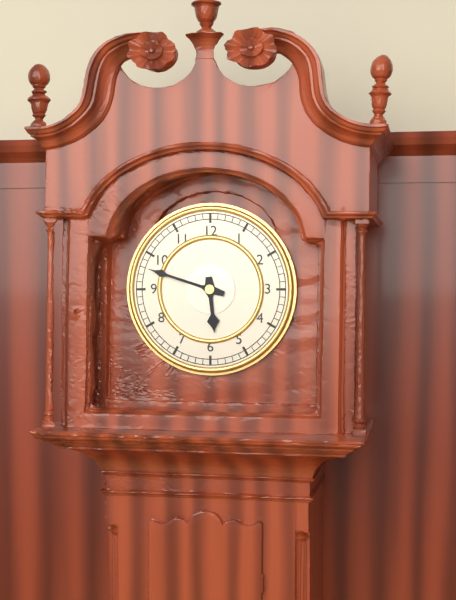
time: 5:48
